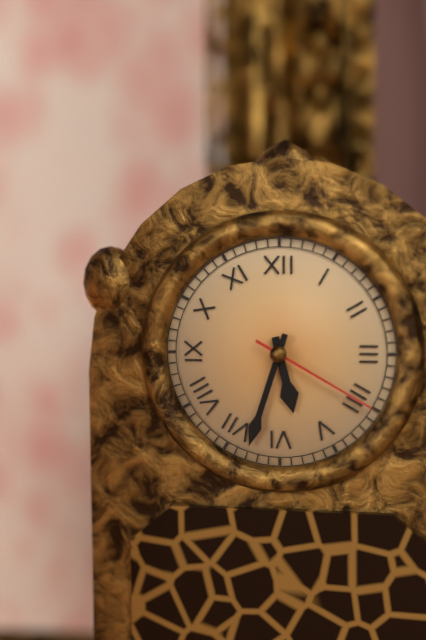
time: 5:33:20
